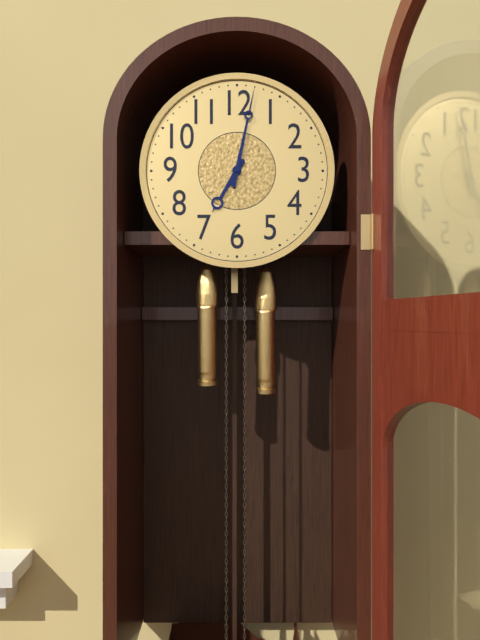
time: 7:02
